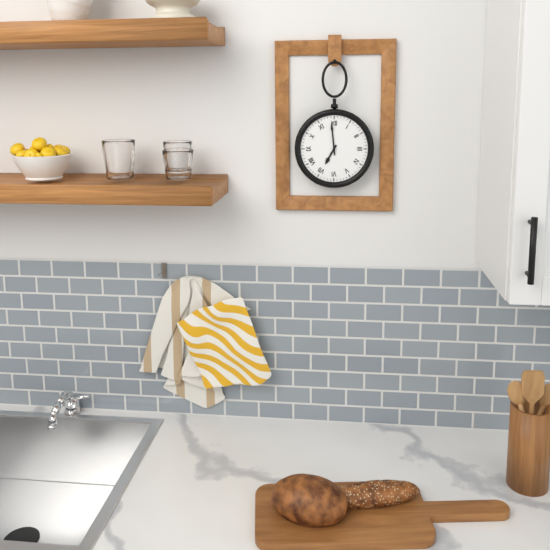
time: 6:59
